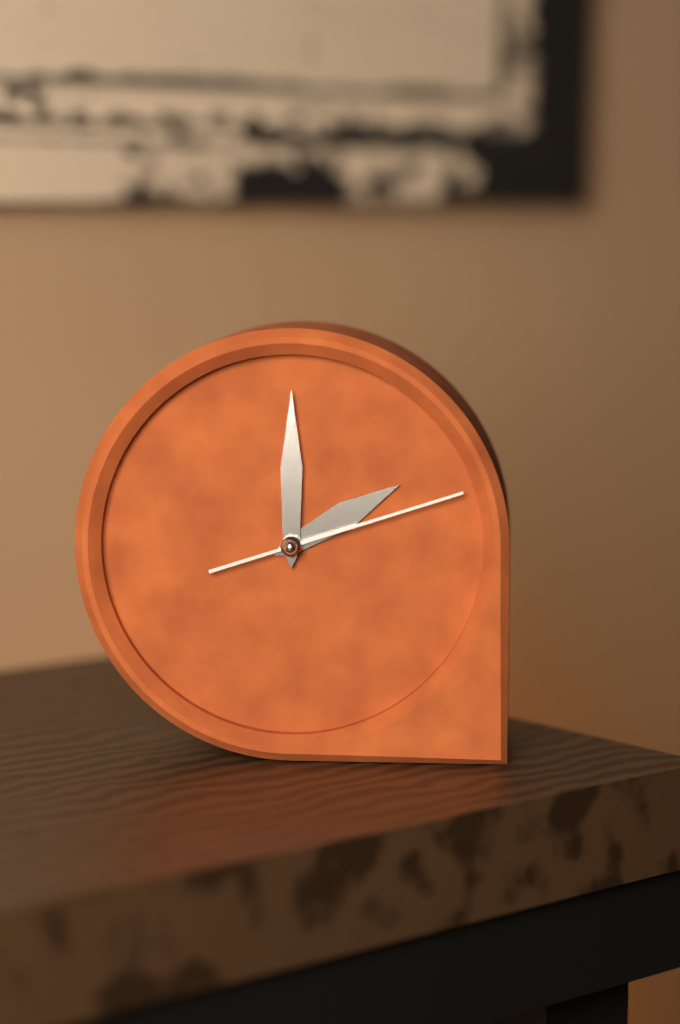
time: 2:00:12
